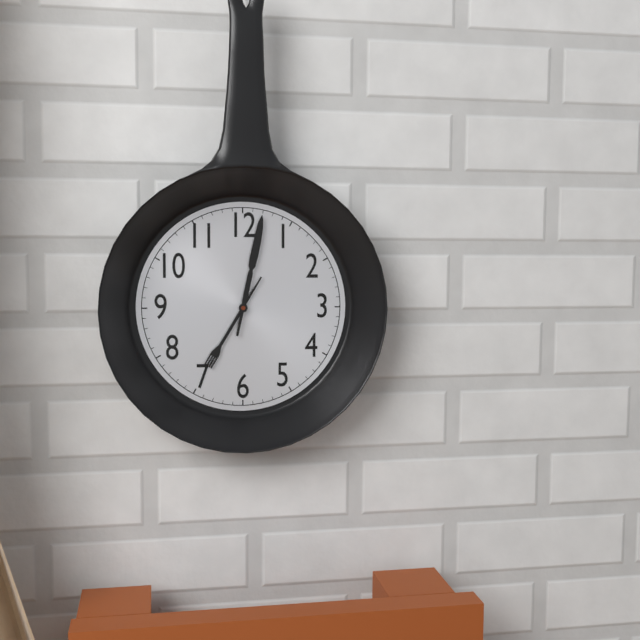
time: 7:02
